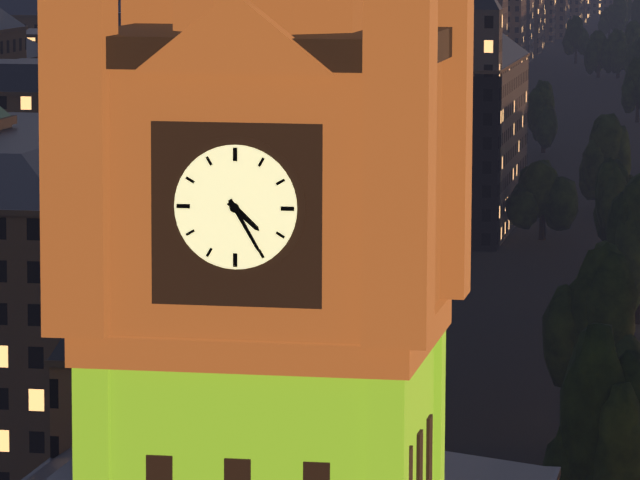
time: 4:25
